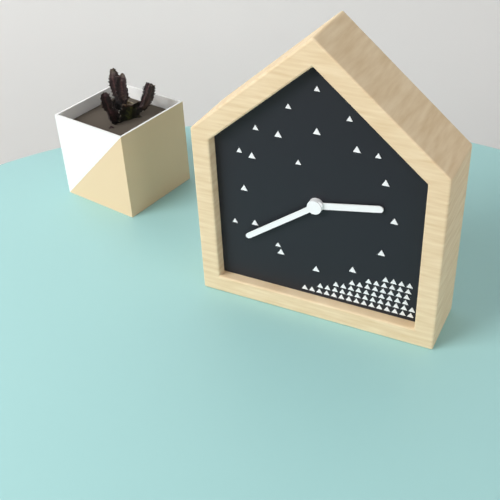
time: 2:39
